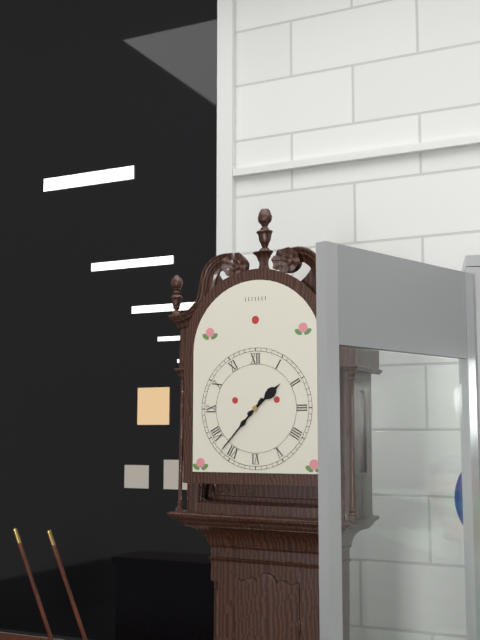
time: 1:37
